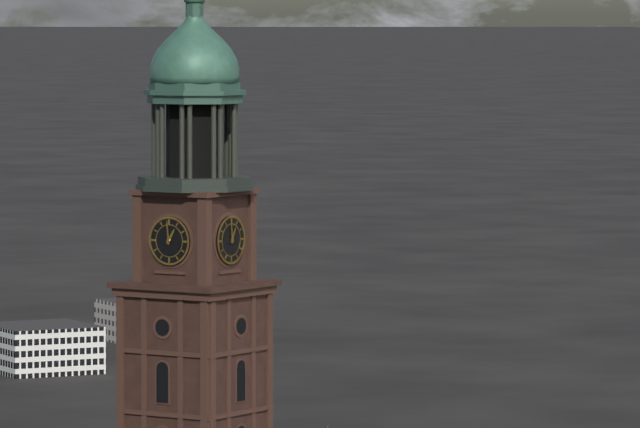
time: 12:59
